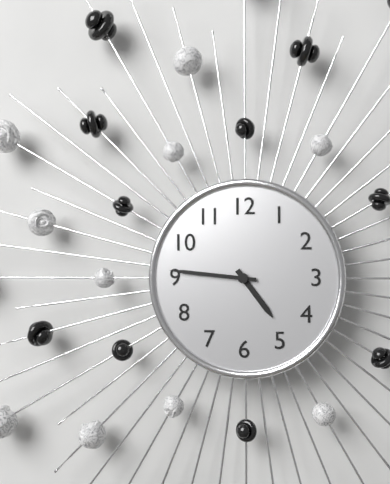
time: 4:46
